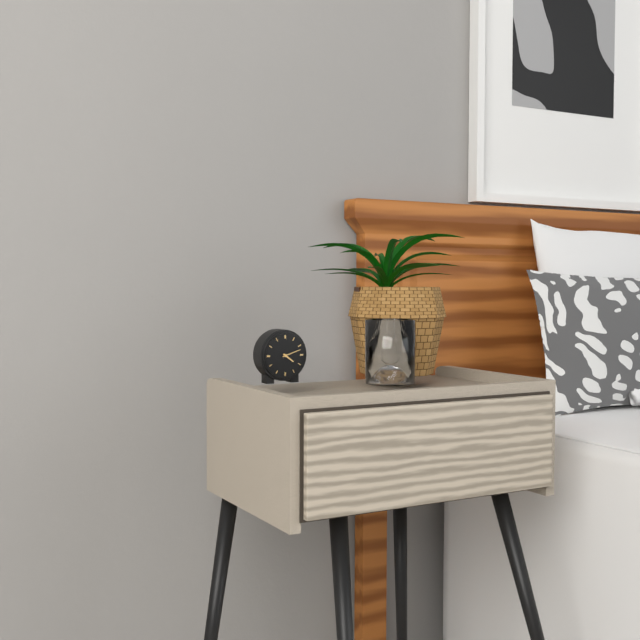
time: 4:12
